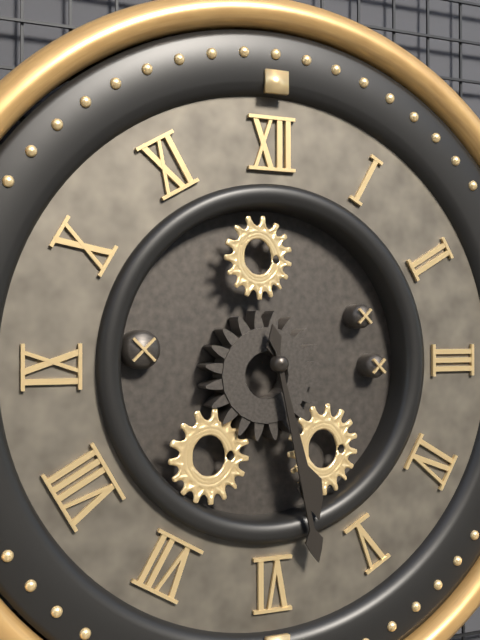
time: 5:28
